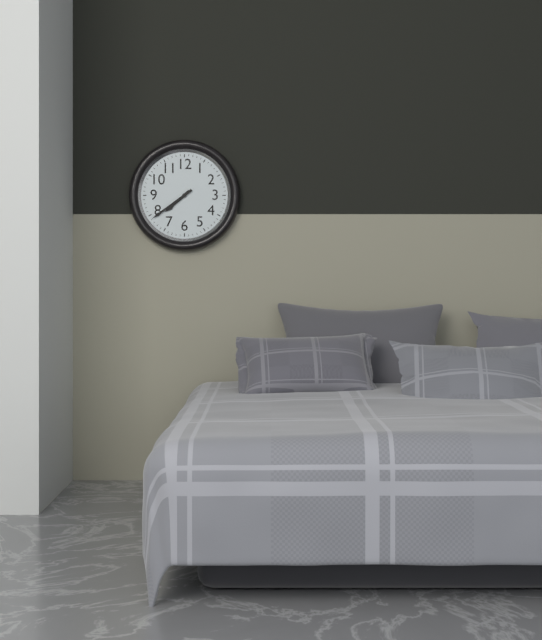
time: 7:39
